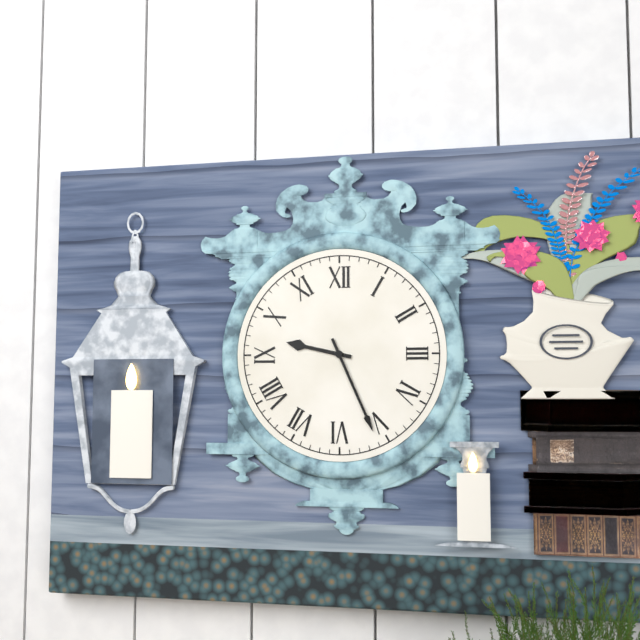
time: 9:26
